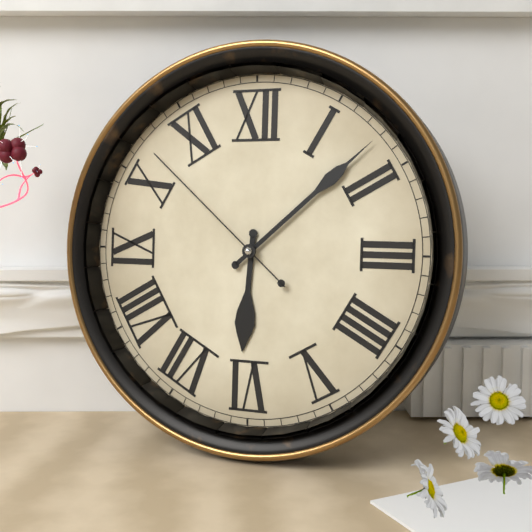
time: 6:08:52
